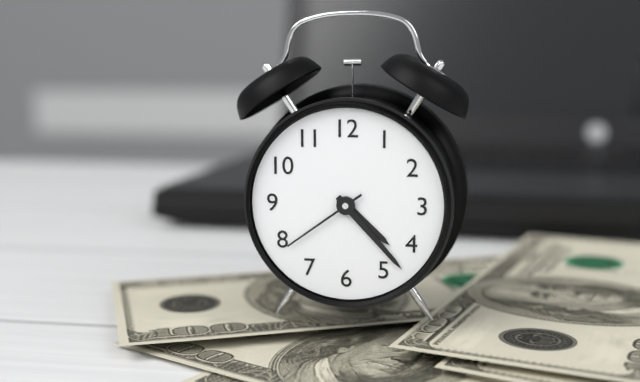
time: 4:23:39
